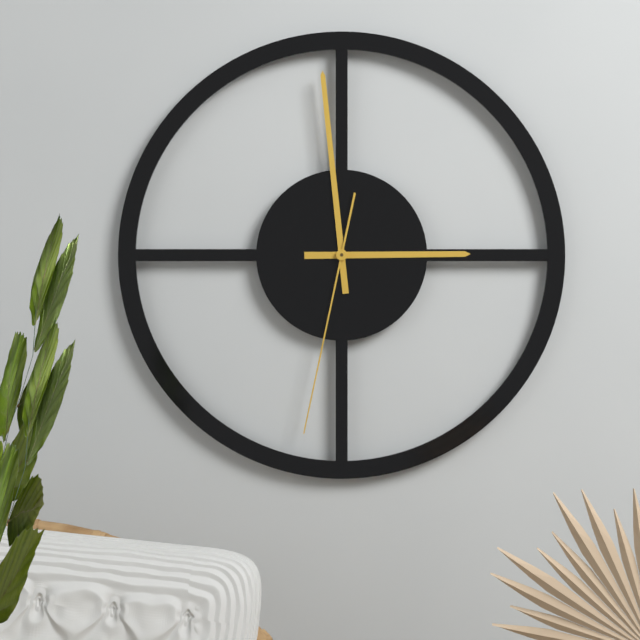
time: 2:59:32
